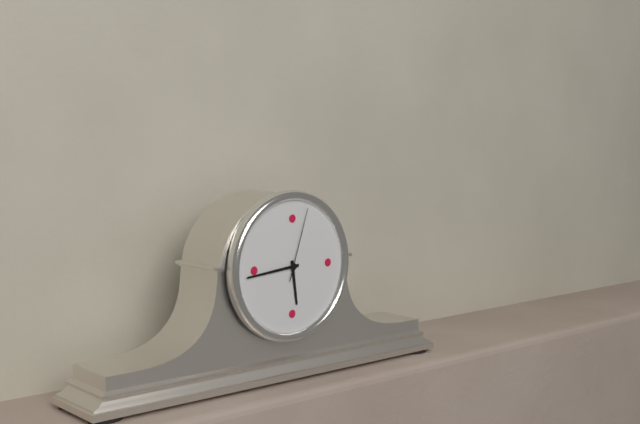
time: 5:44:03
